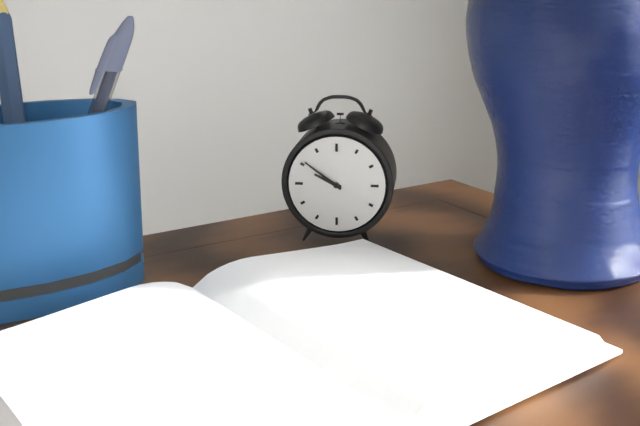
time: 9:51
